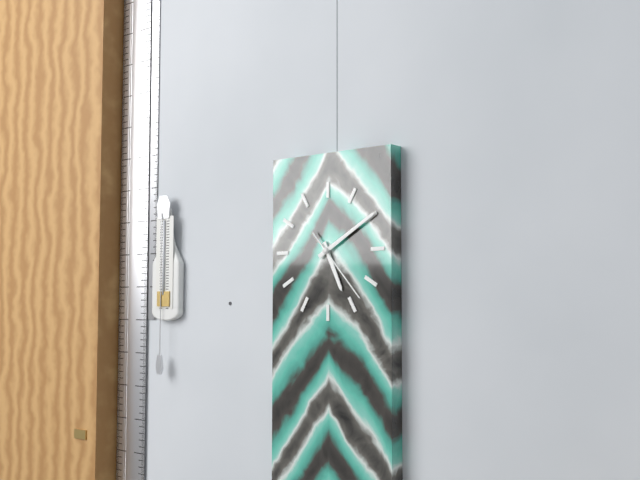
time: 5:10:23
